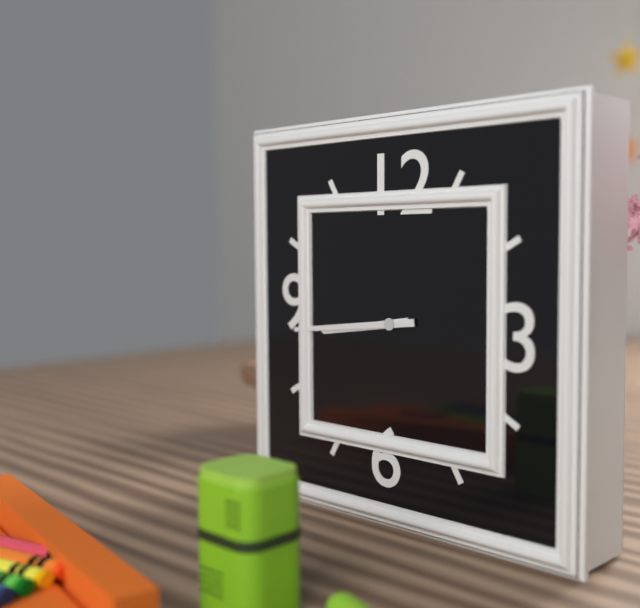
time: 8:44
